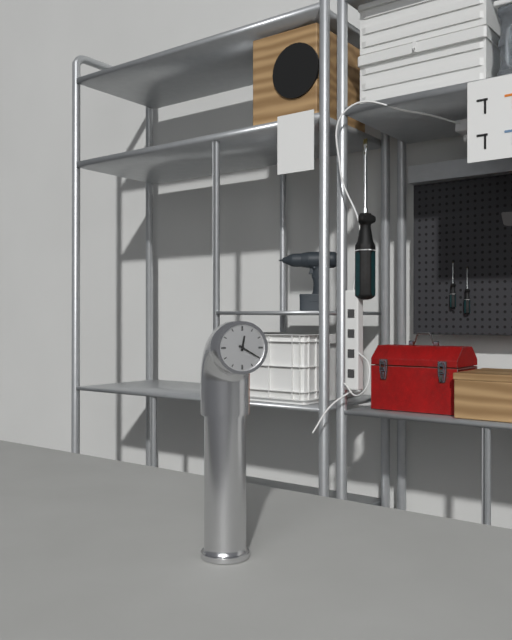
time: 12:20
